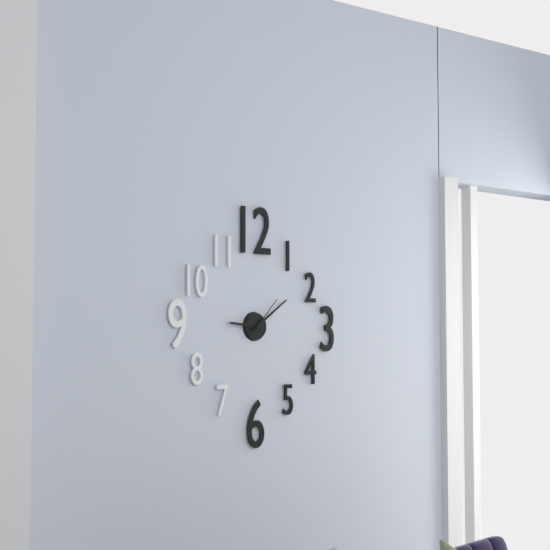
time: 9:09
